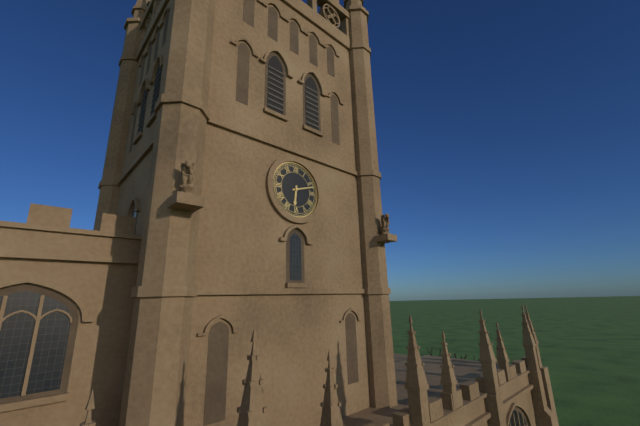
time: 6:12
